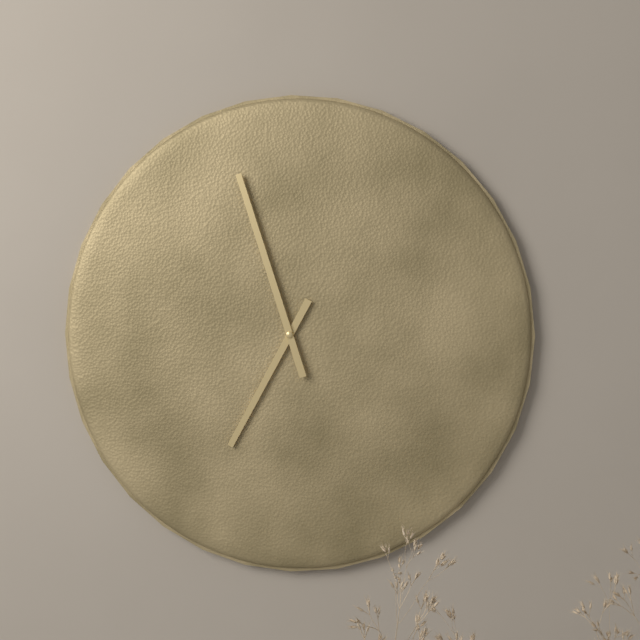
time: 6:57
